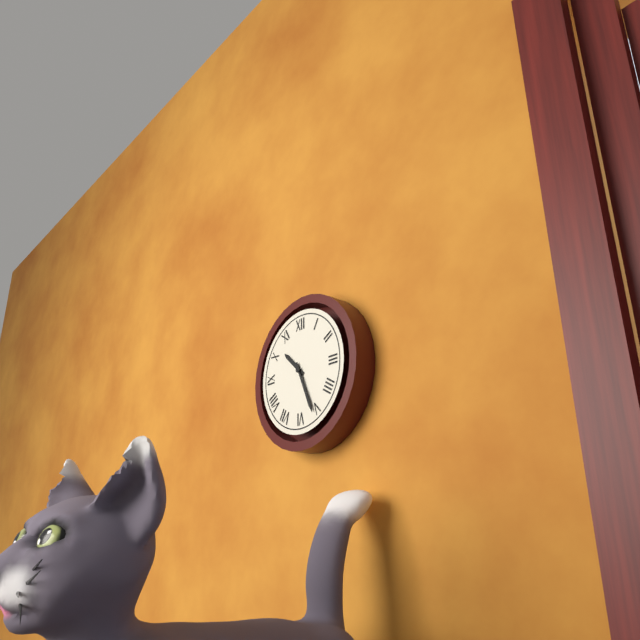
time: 10:26
